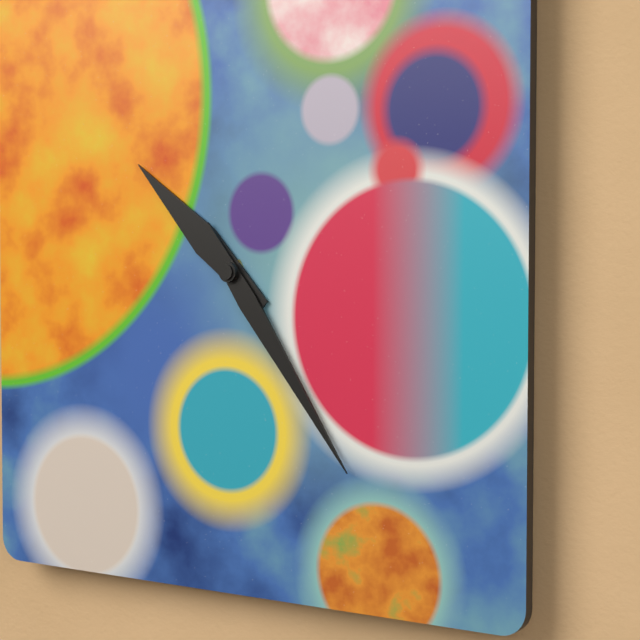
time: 10:24
